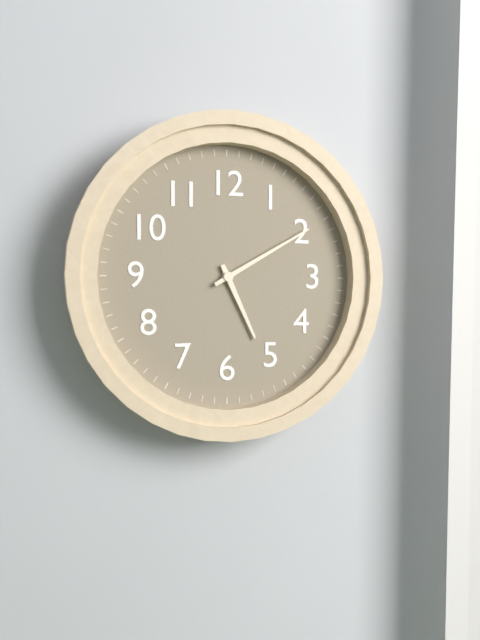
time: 5:10
